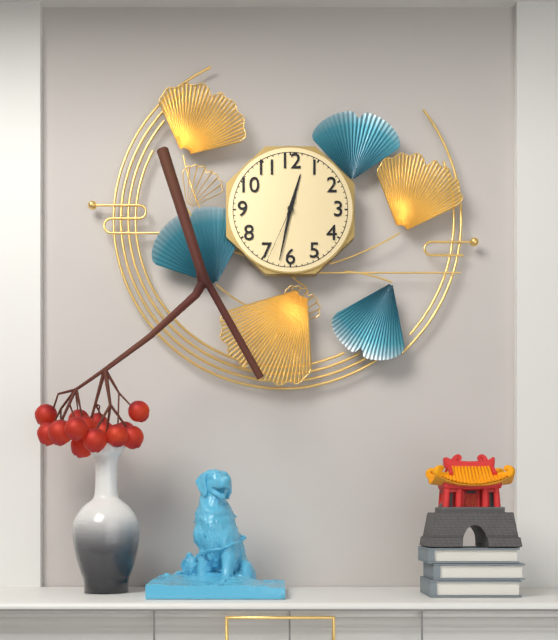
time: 12:32:34
